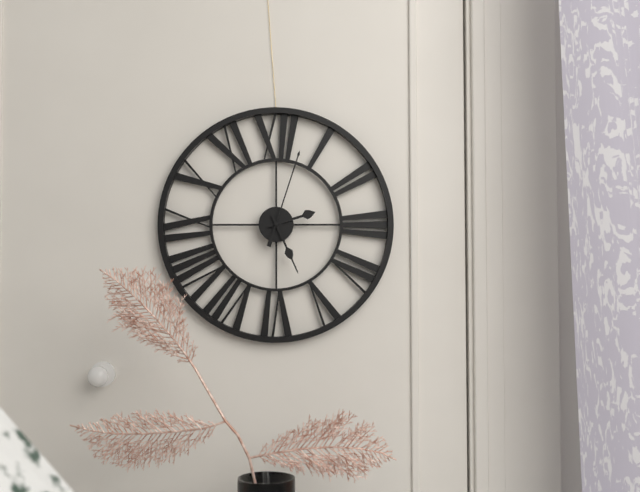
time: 2:26:03
